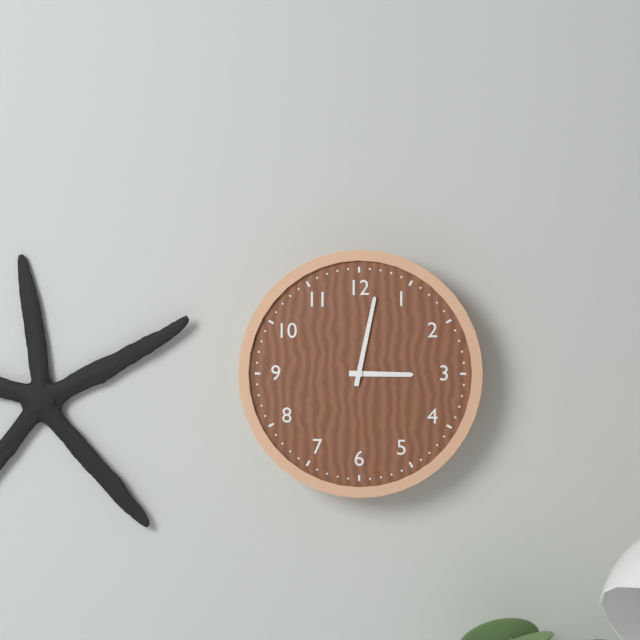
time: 3:02
